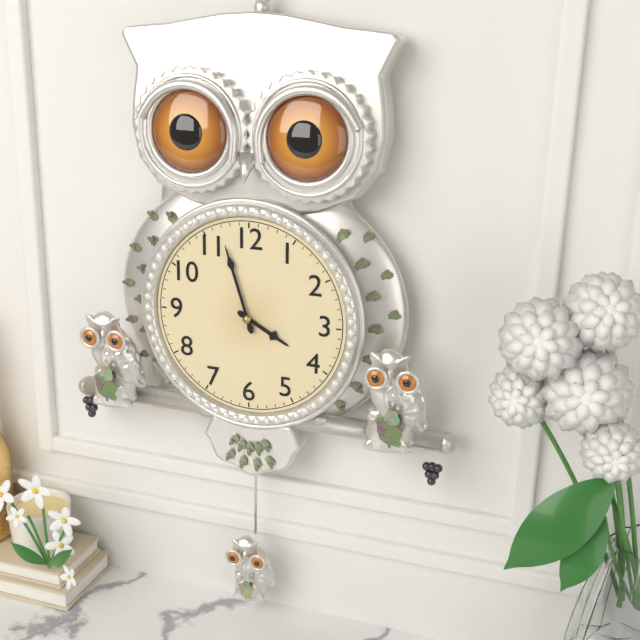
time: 3:57
